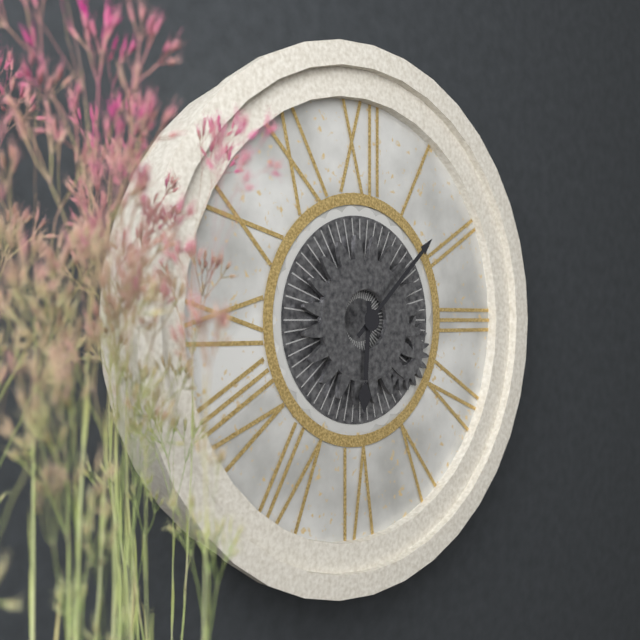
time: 6:08
